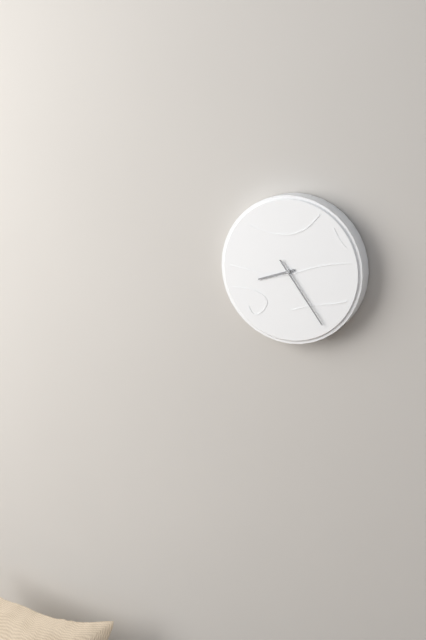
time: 8:24
